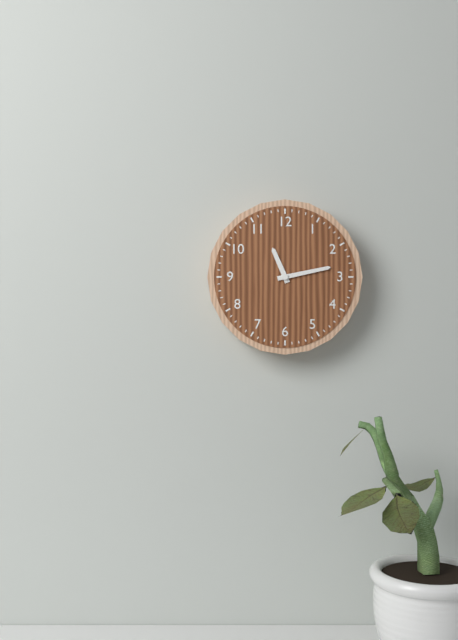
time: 11:13
